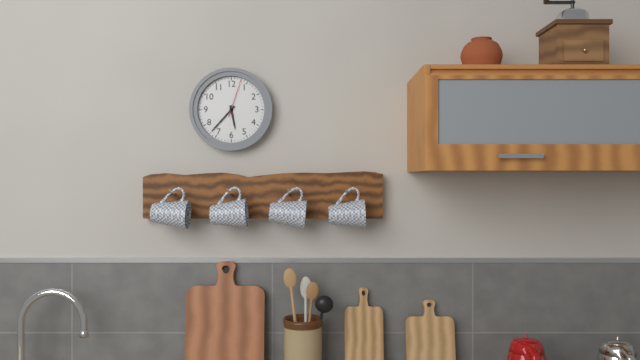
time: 5:37
